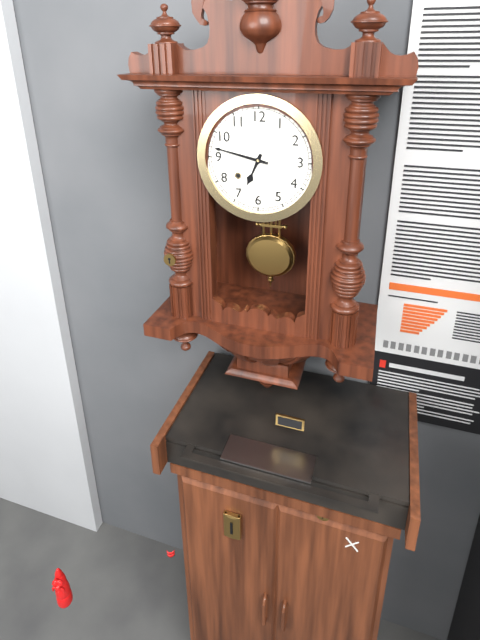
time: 6:47
